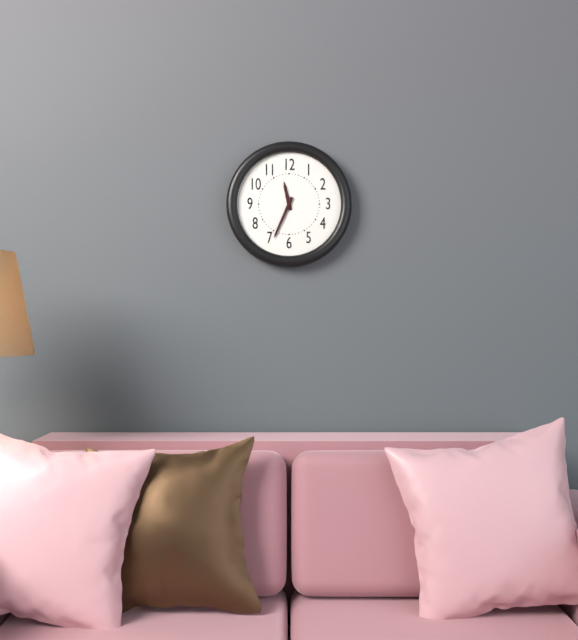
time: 11:34
